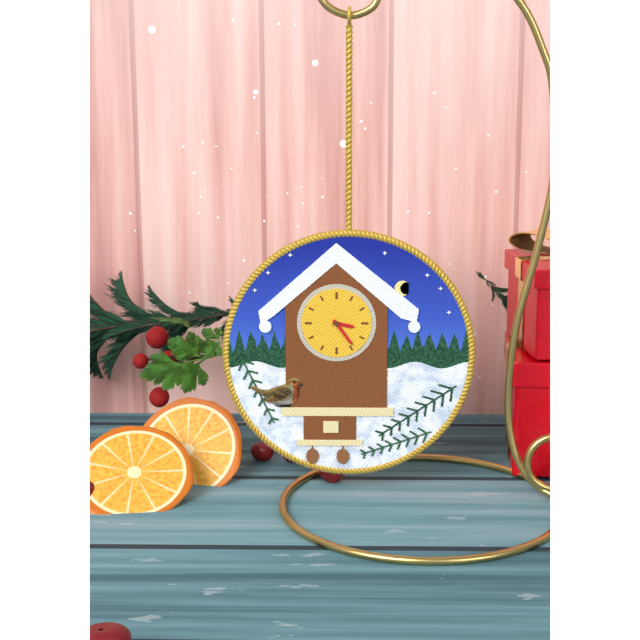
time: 3:24
